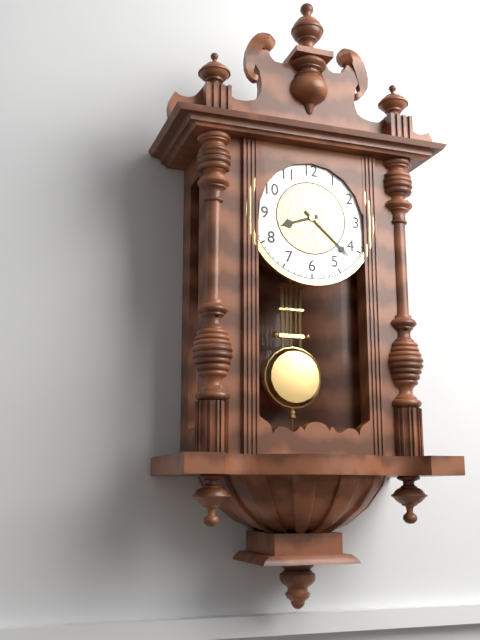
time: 8:22
